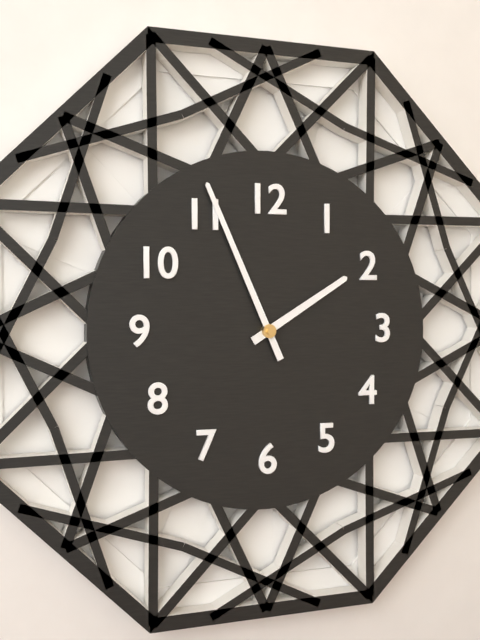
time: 1:56
